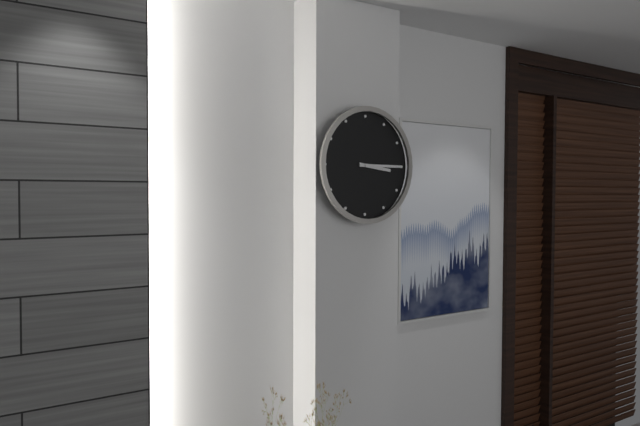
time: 3:15
